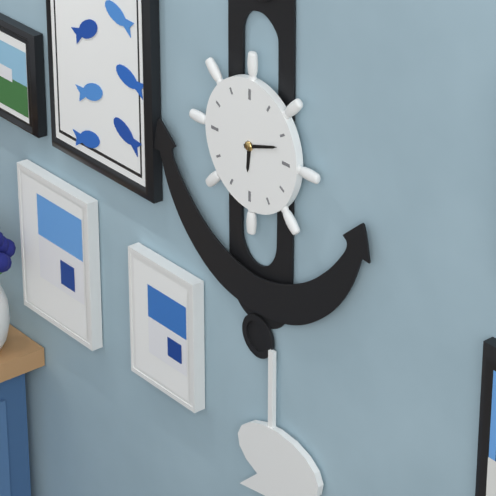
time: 6:12
